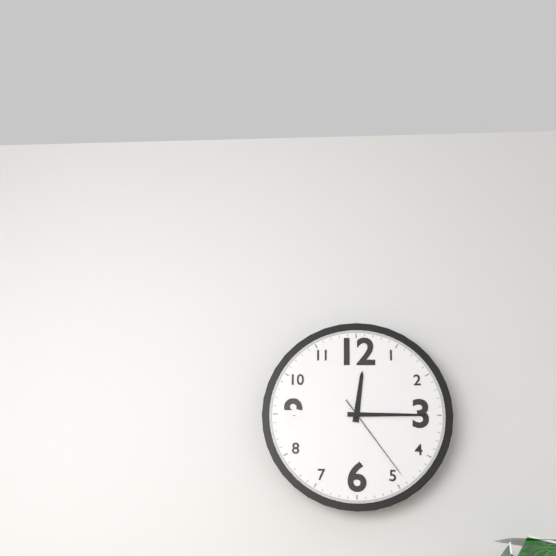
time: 12:15:24
